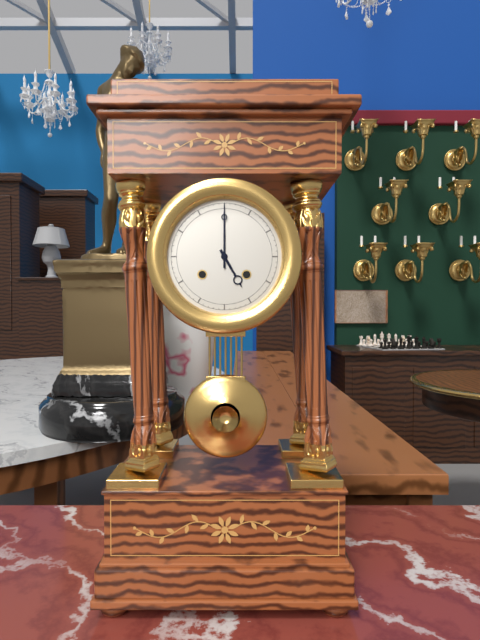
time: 5:00
